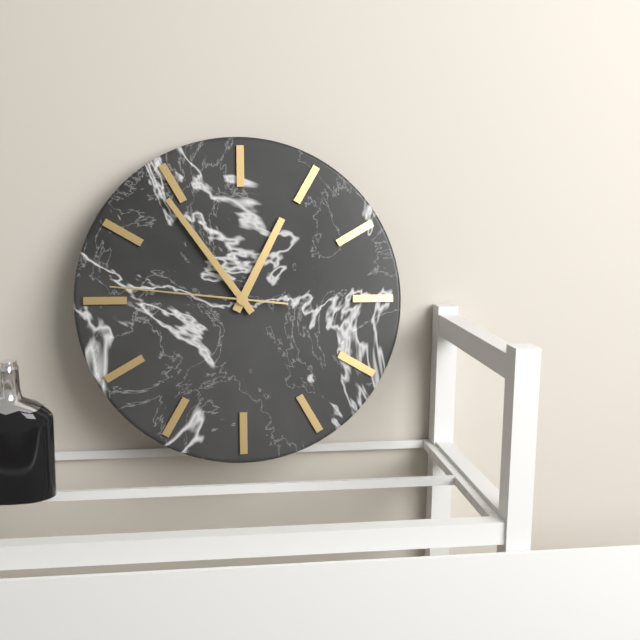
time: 12:54:46
